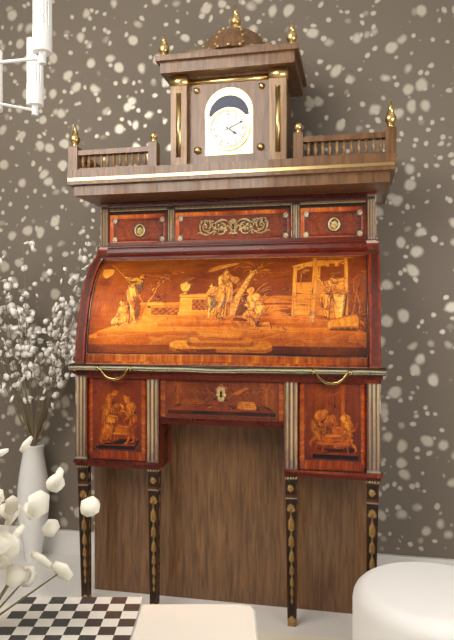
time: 4:11
